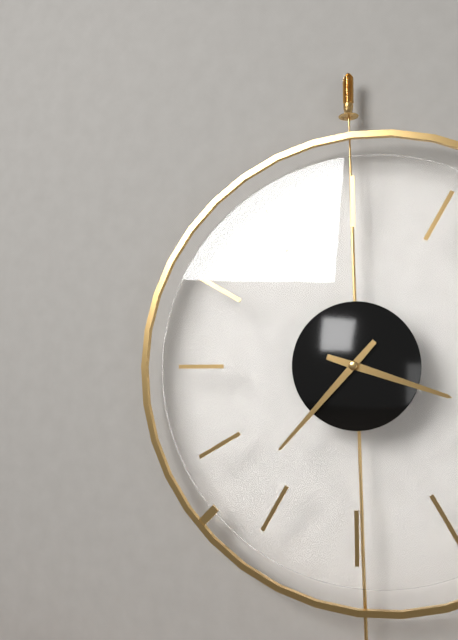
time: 3:37
